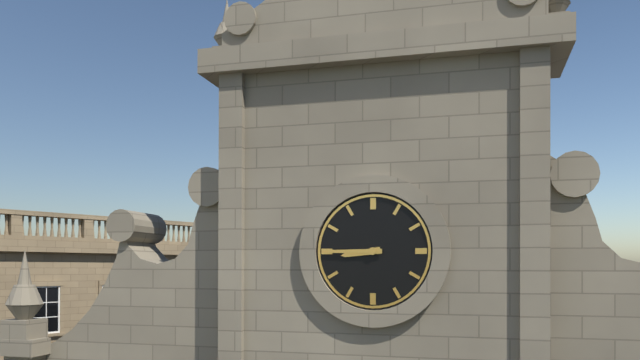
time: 8:45
